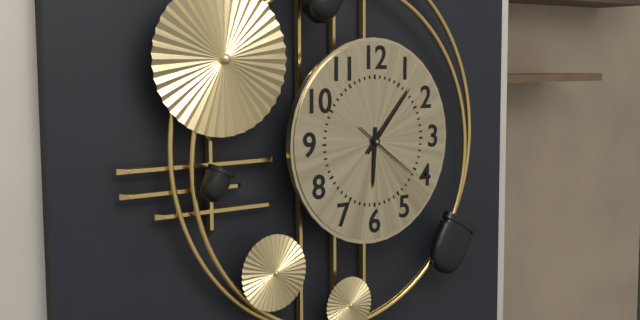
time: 6:07:21
